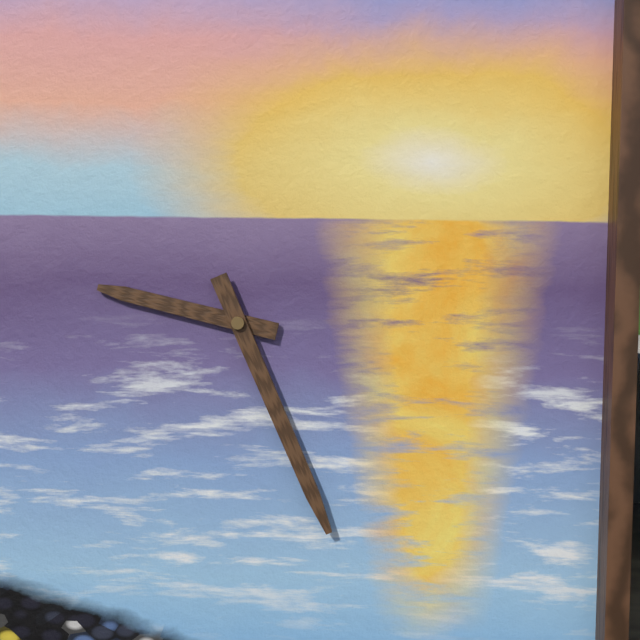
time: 9:26
